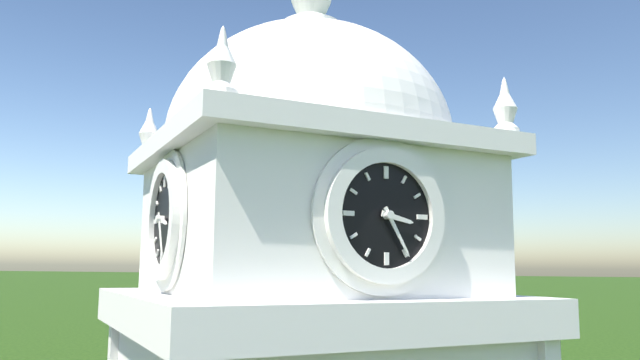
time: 3:25
